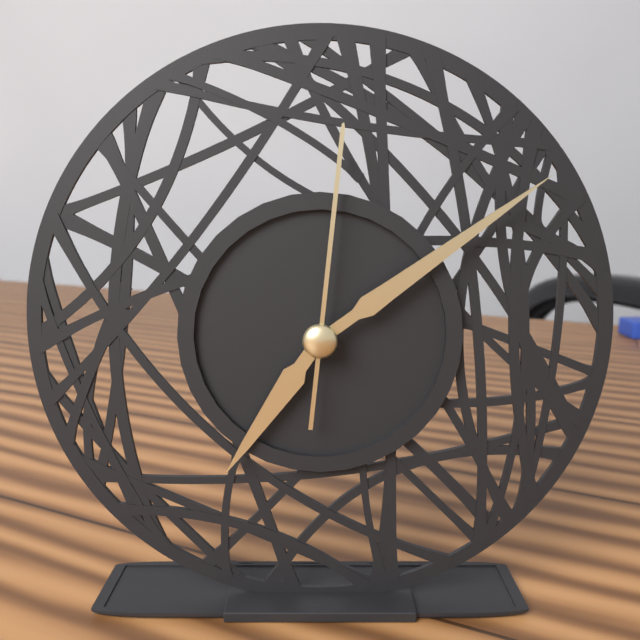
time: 7:09:01
